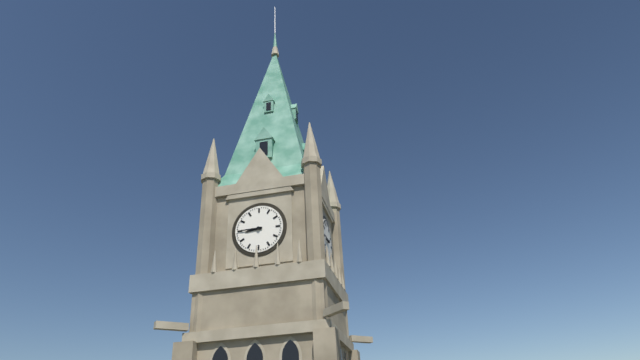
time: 8:45
